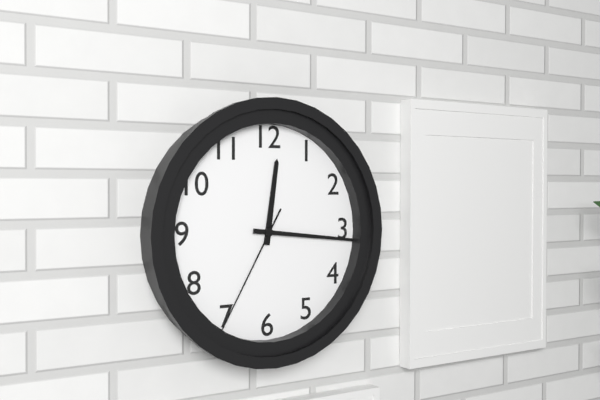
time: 12:16:35
